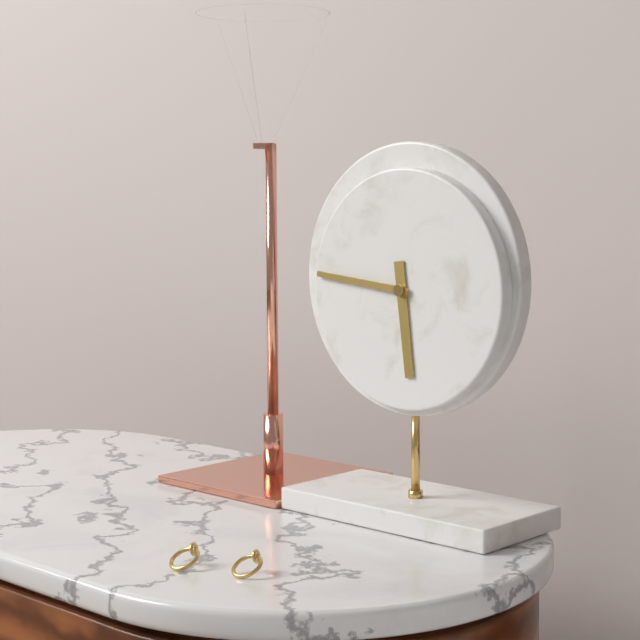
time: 5:46
